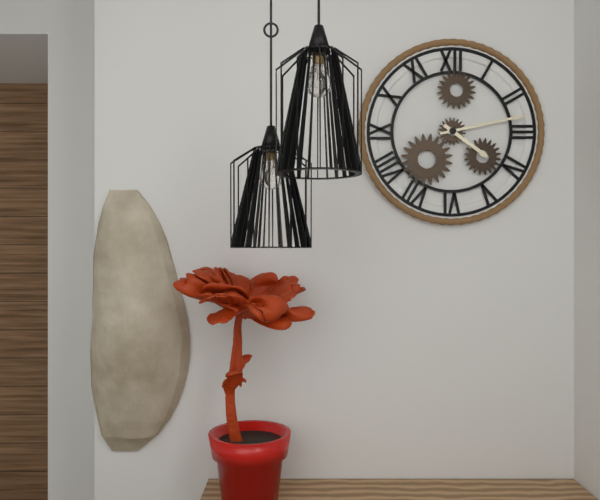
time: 4:13
